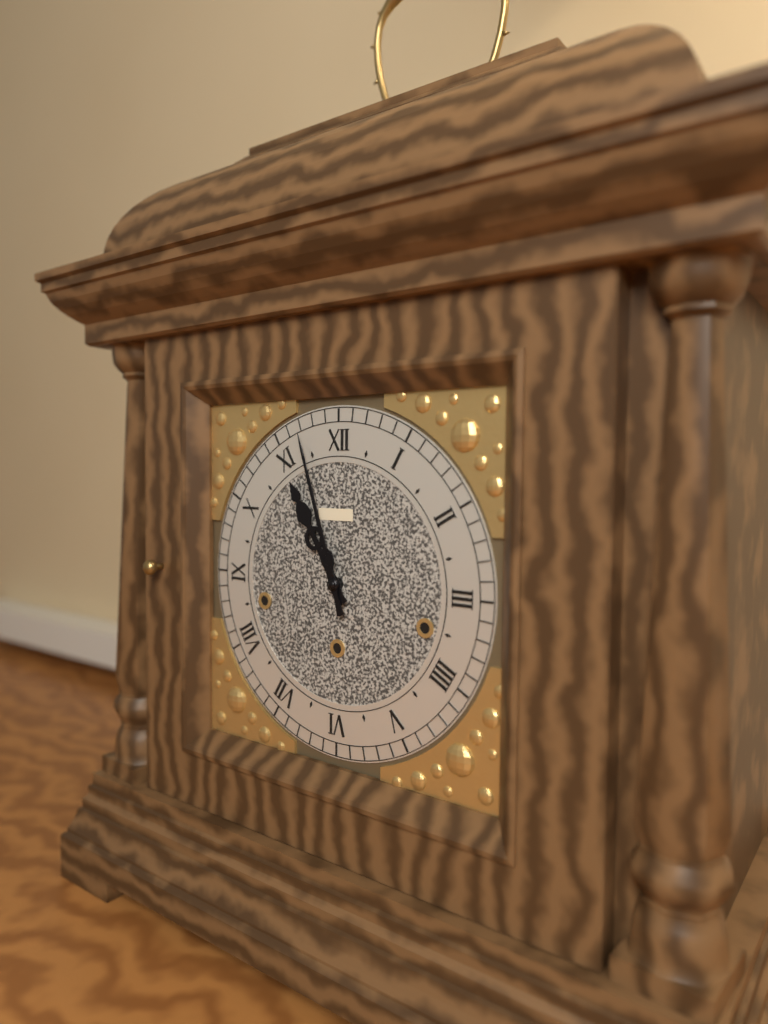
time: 10:57
